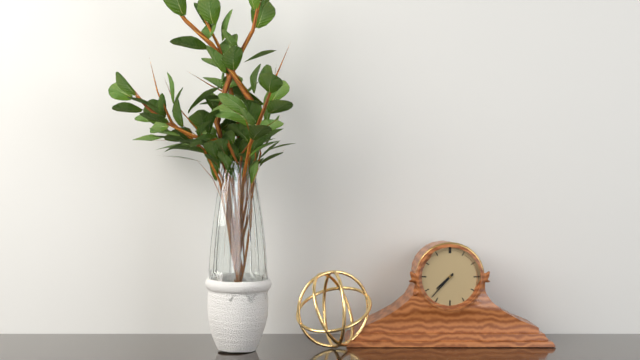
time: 7:37
